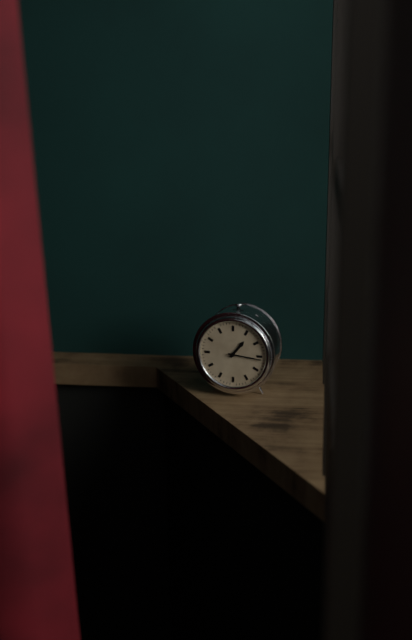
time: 1:16
